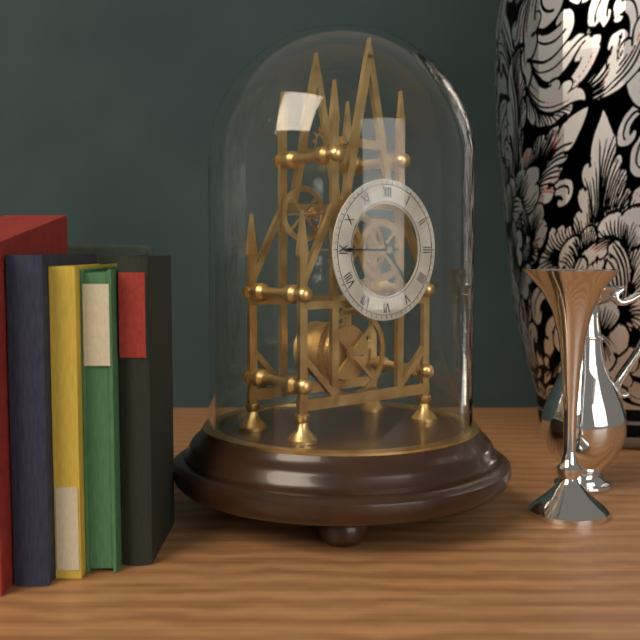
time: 4:45
